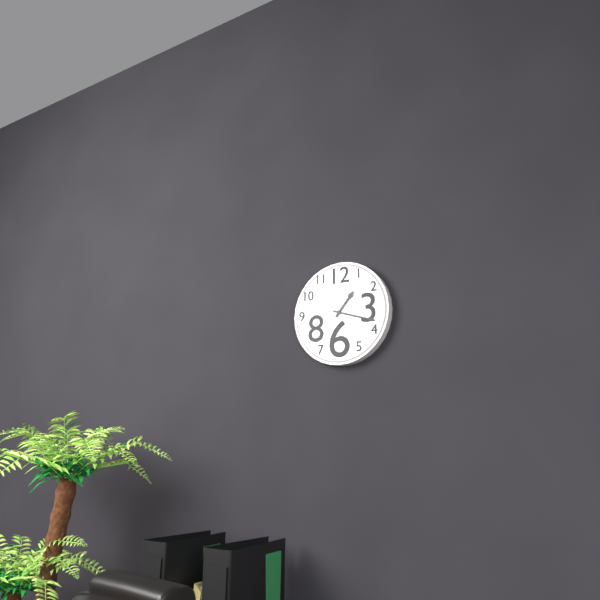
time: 1:18
